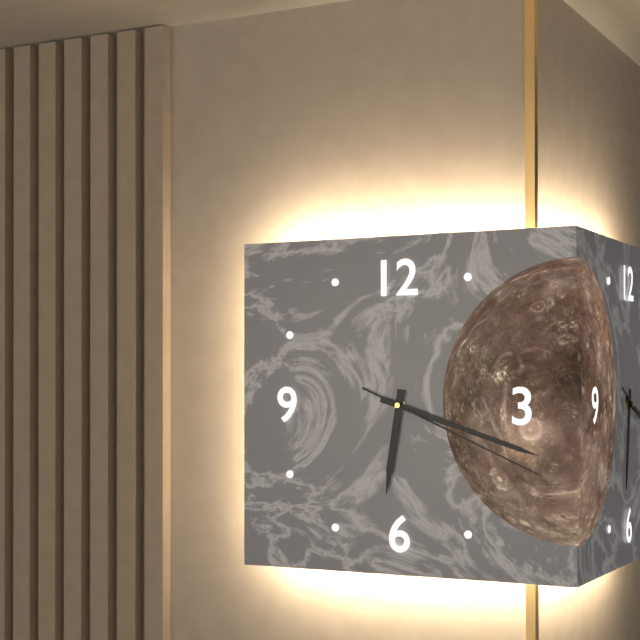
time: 6:18:19
